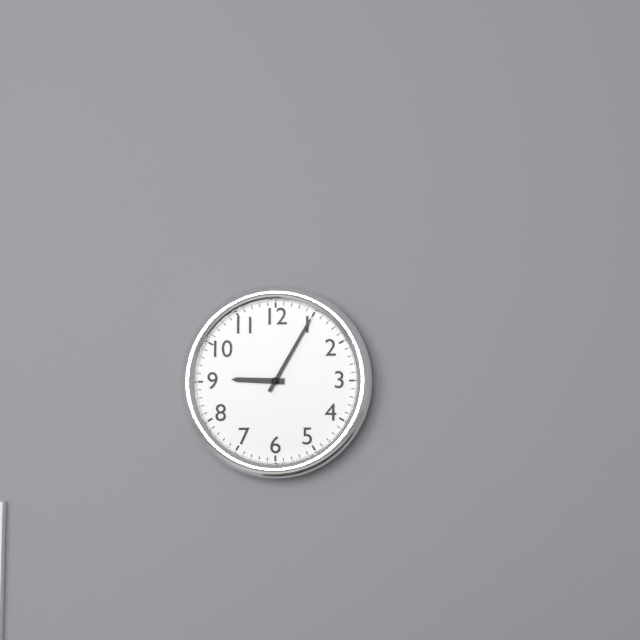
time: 9:05
